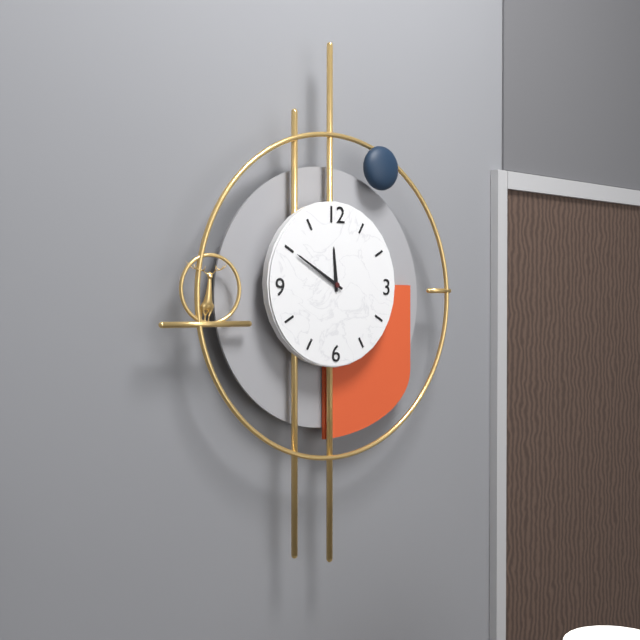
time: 11:50
